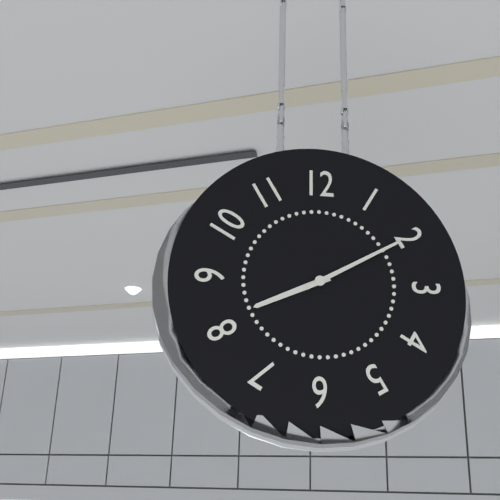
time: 8:10
